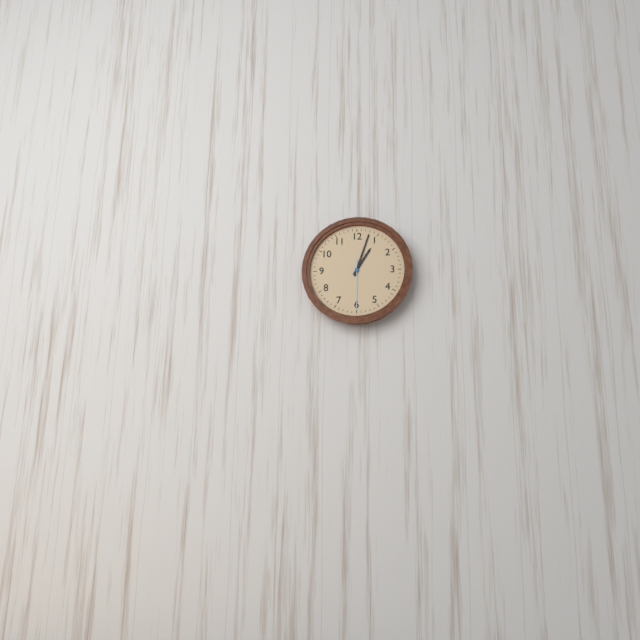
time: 1:03:30
